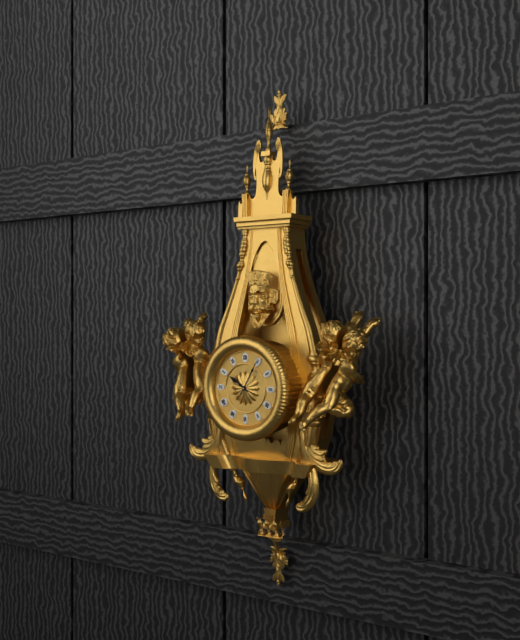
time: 10:05
